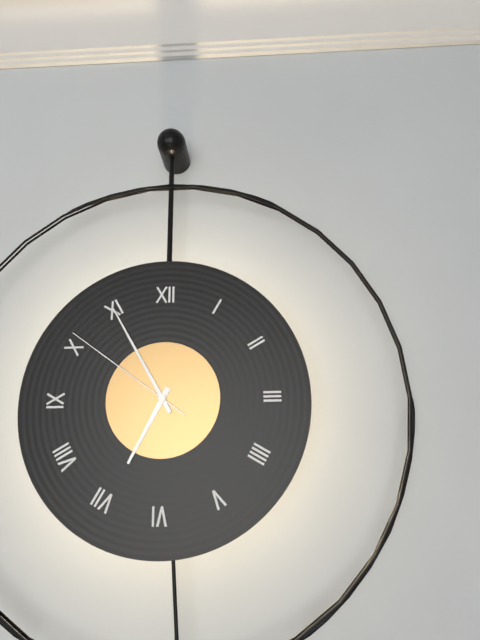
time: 6:55:51
